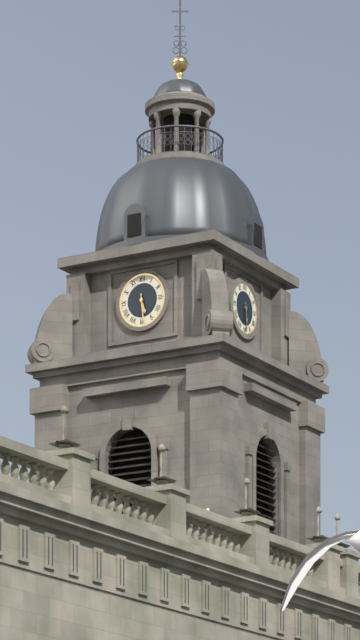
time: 5:29
